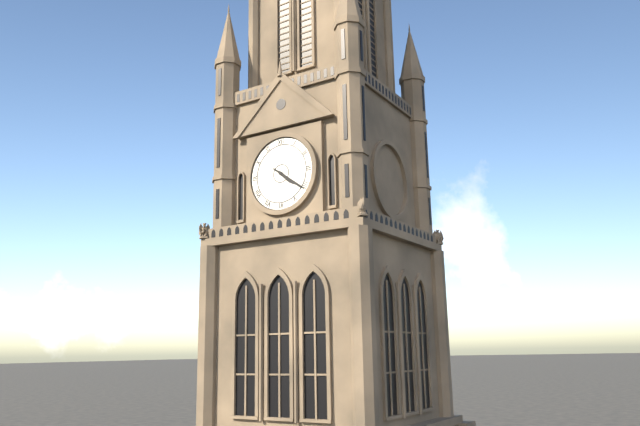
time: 4:21
